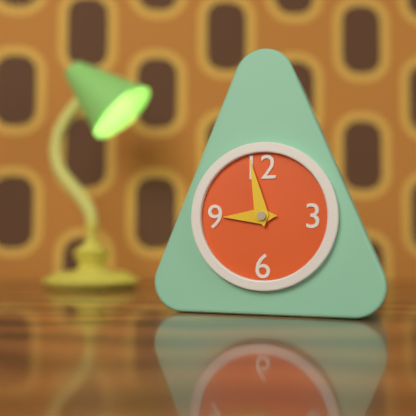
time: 8:58
